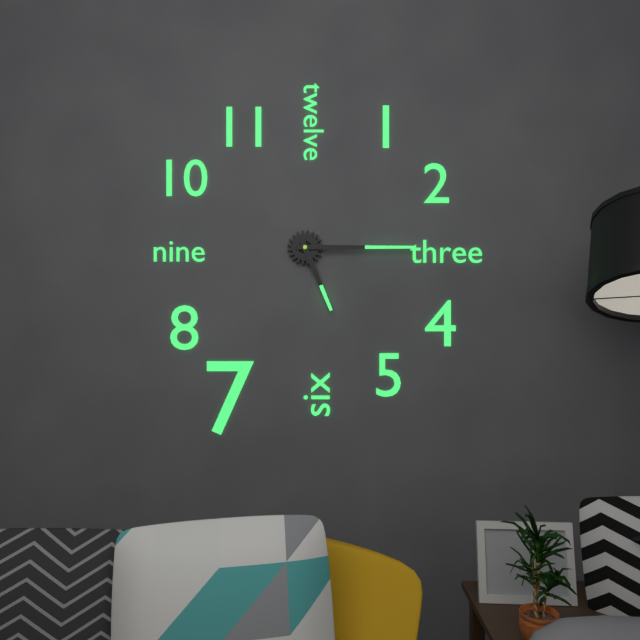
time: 5:15
